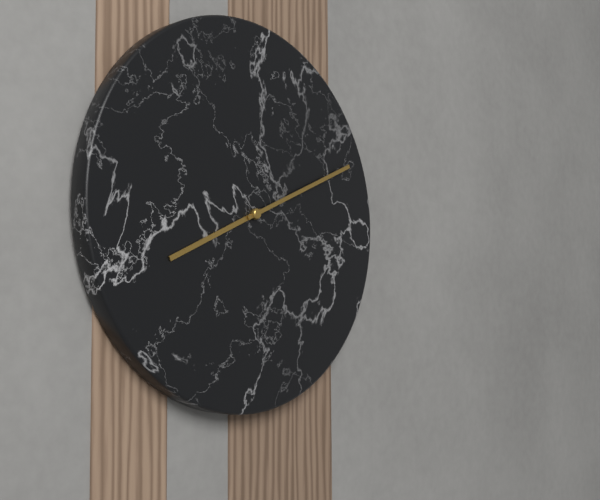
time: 8:11
